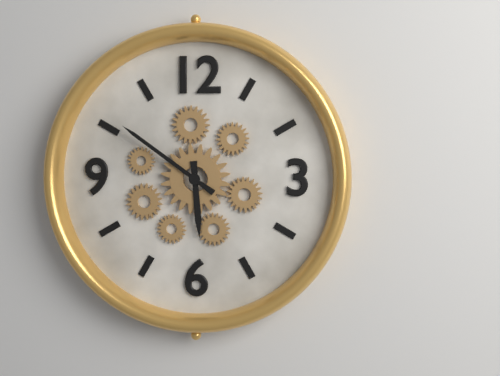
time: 5:51
